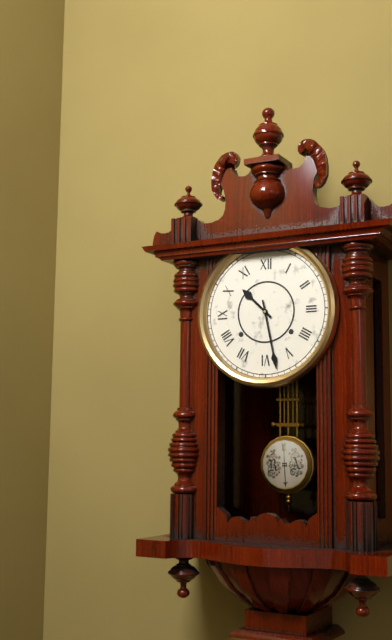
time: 10:28
